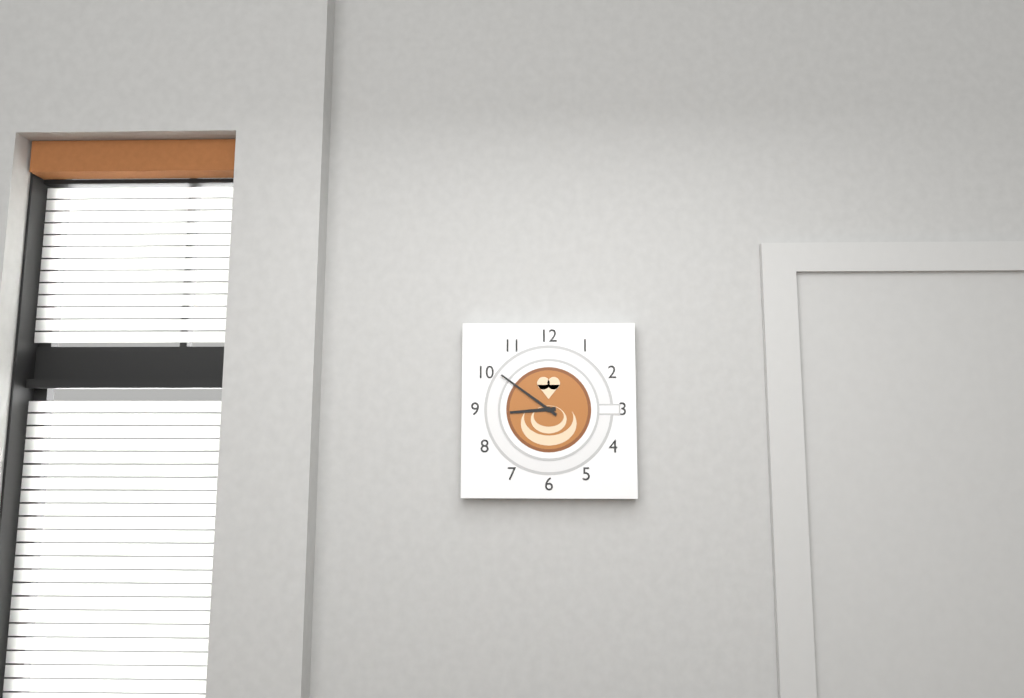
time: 8:51
